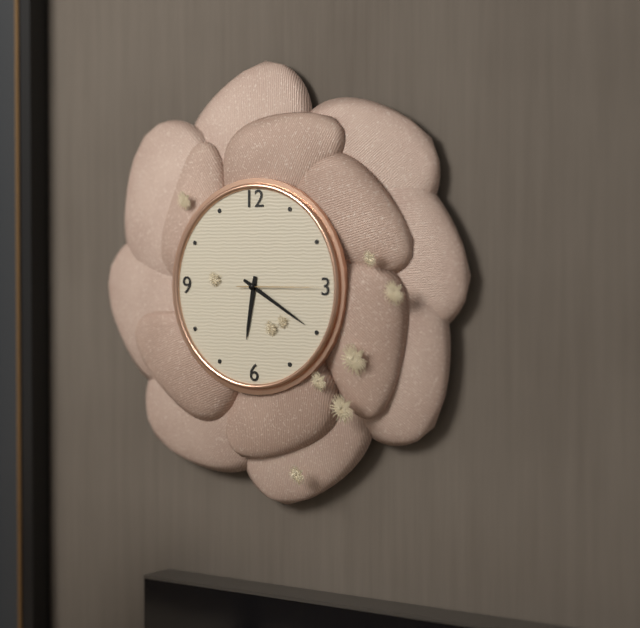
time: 6:20:15
